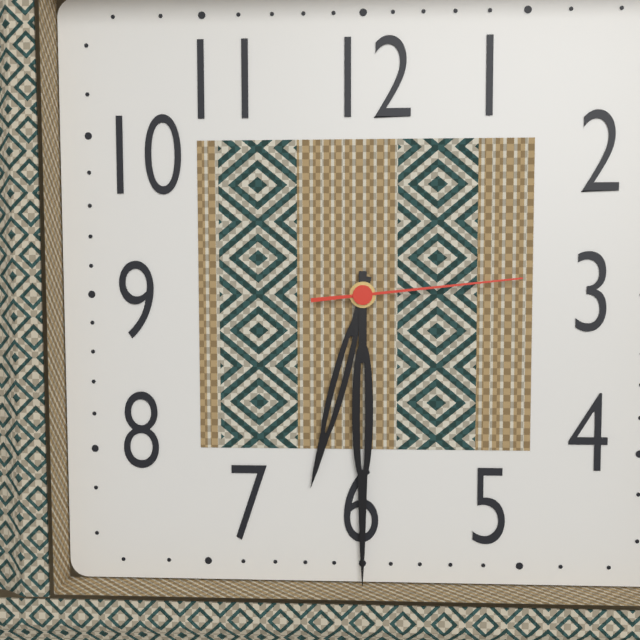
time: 6:30:14
